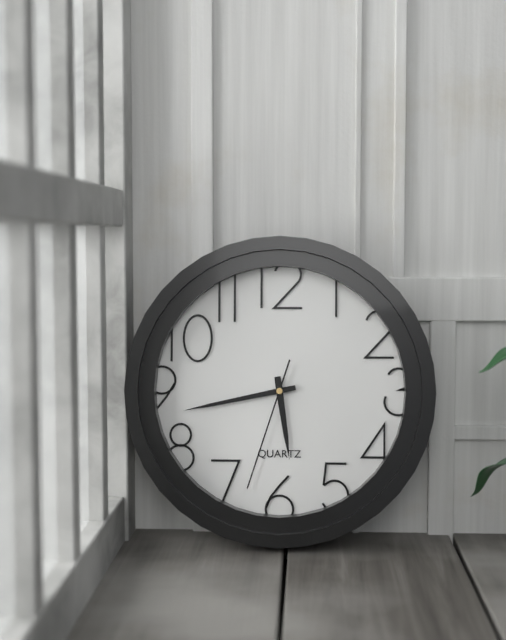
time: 5:43:33
